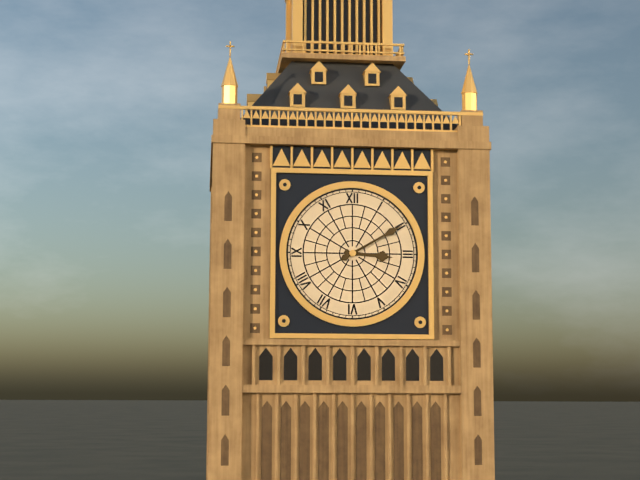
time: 3:10
